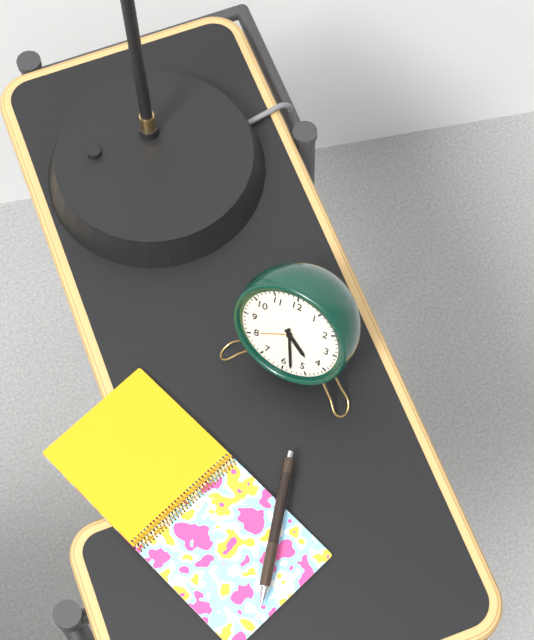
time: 4:28
